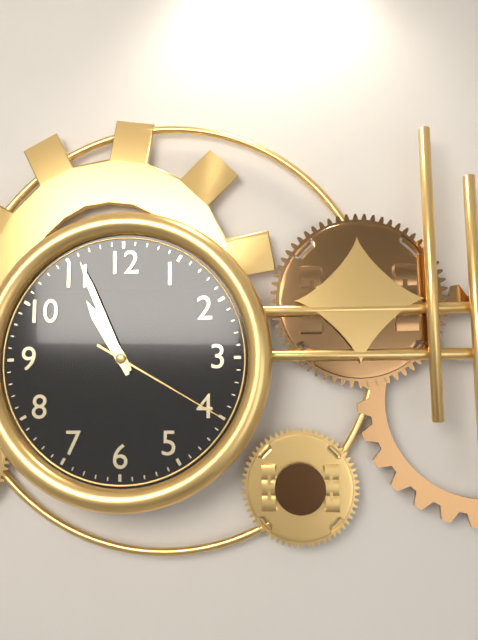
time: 10:56:20
